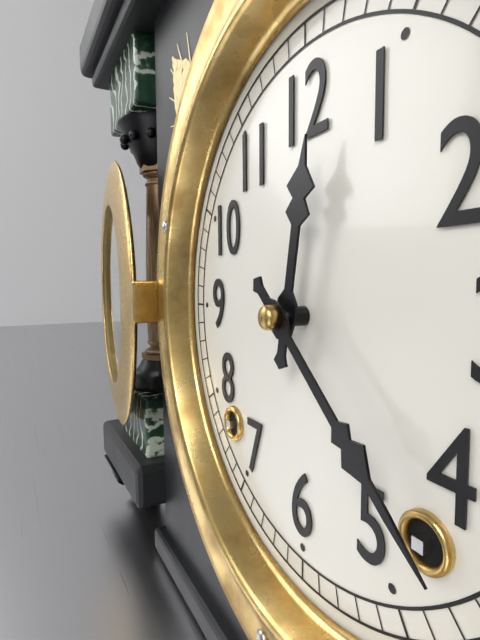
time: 12:22
